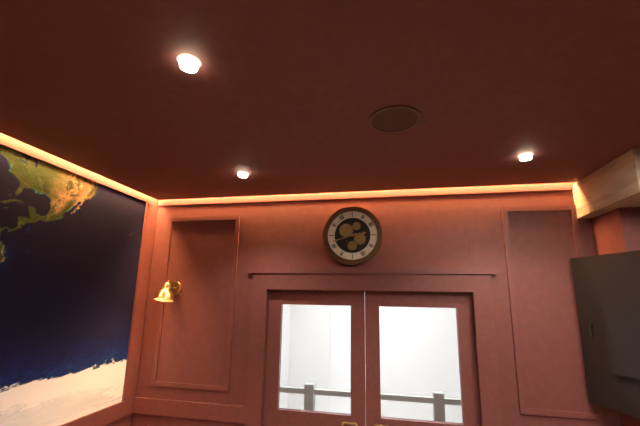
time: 2:42
